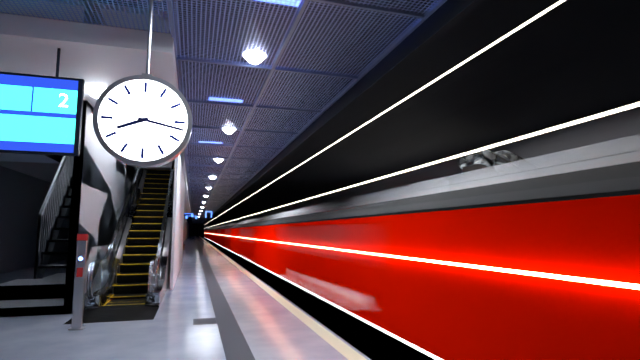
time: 8:17
